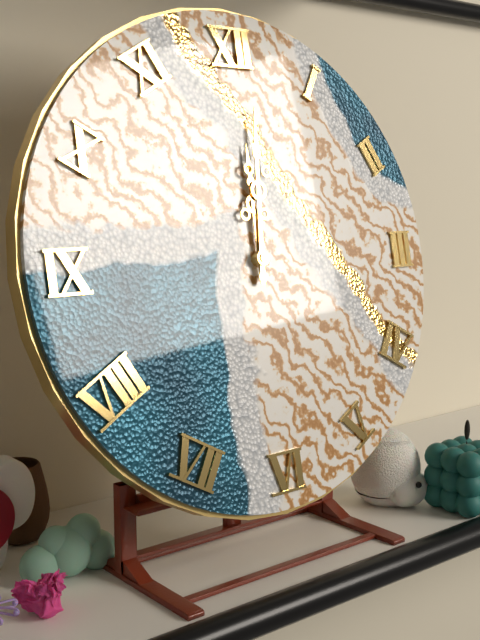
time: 12:01
